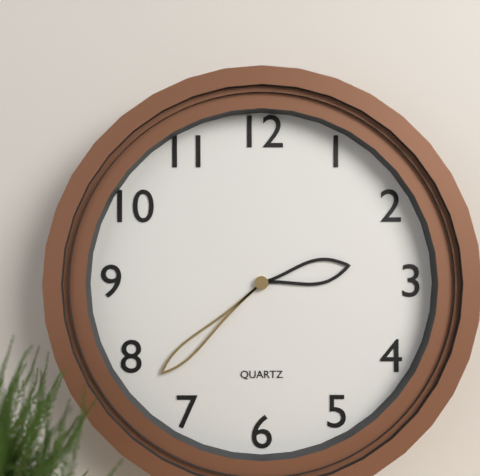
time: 2:38
